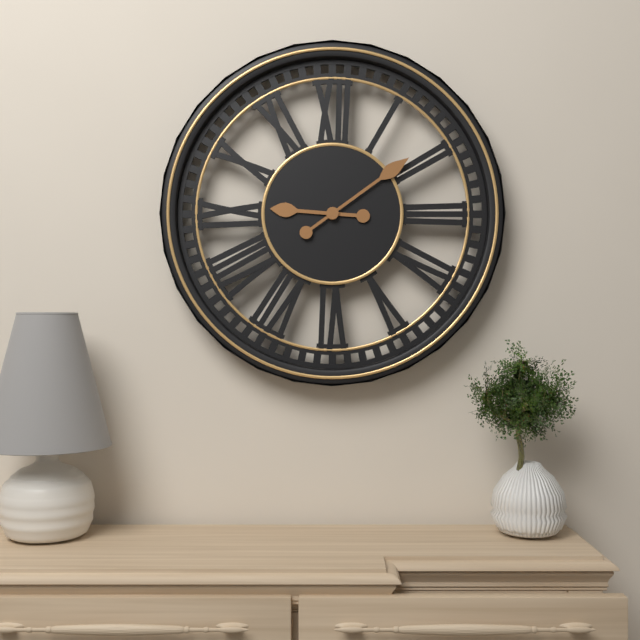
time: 9:09
